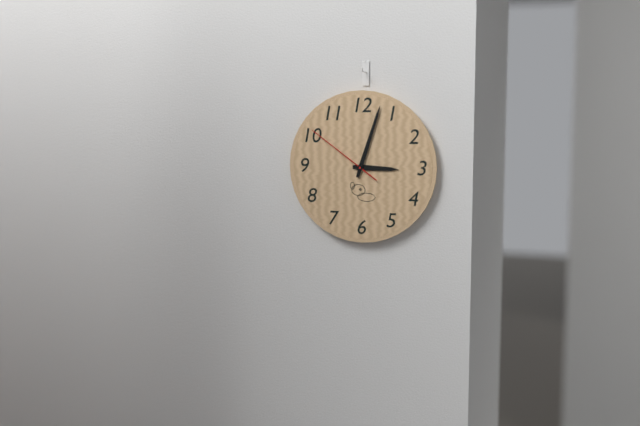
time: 3:03:51
